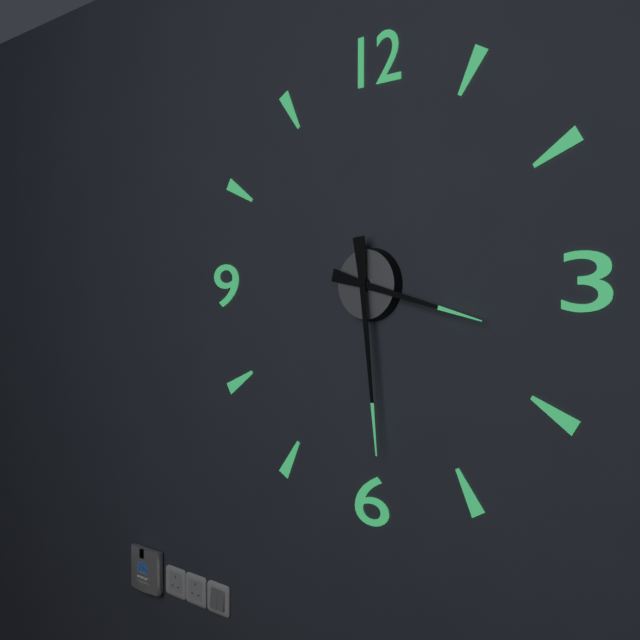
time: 3:29
